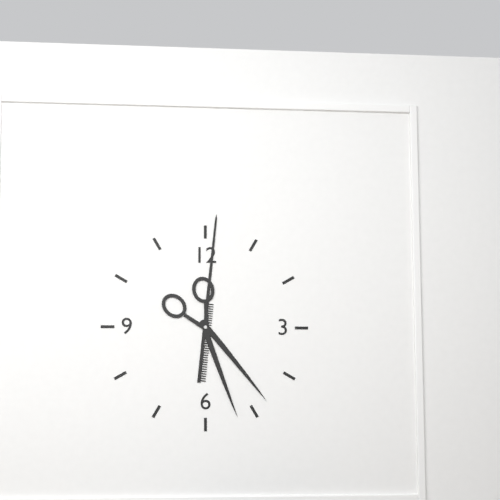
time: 5:01
